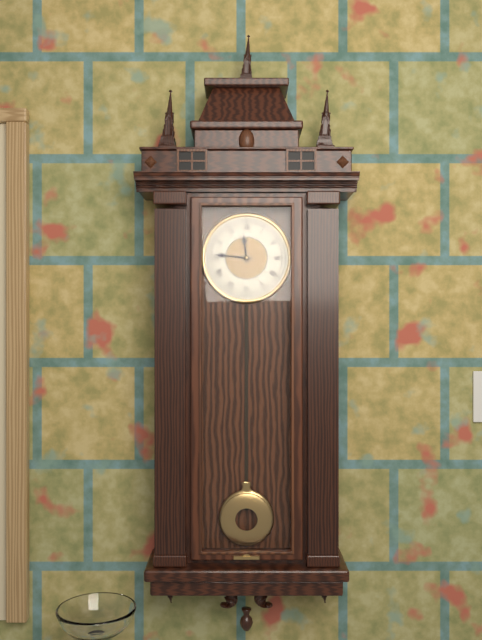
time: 11:46
